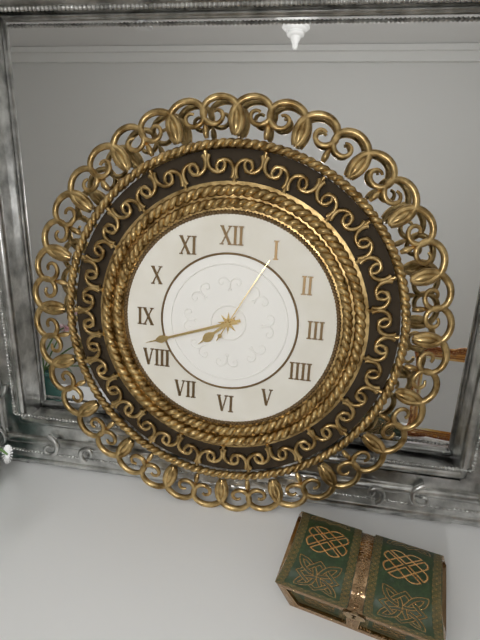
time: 7:42:05
